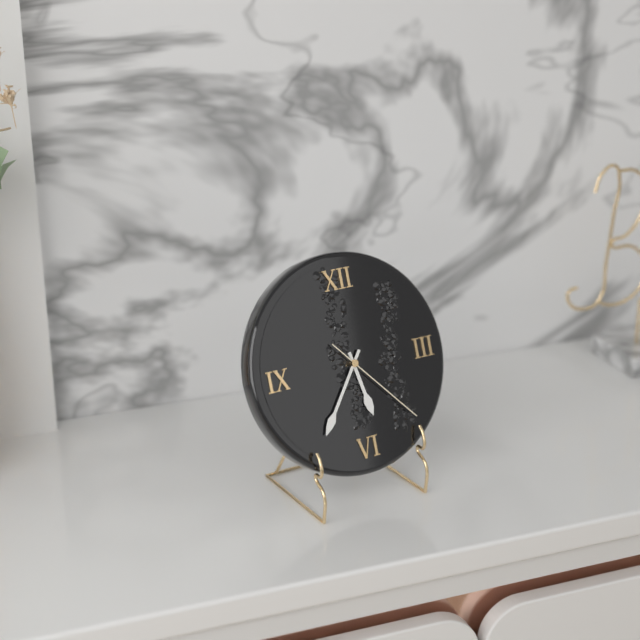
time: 5:36:23
